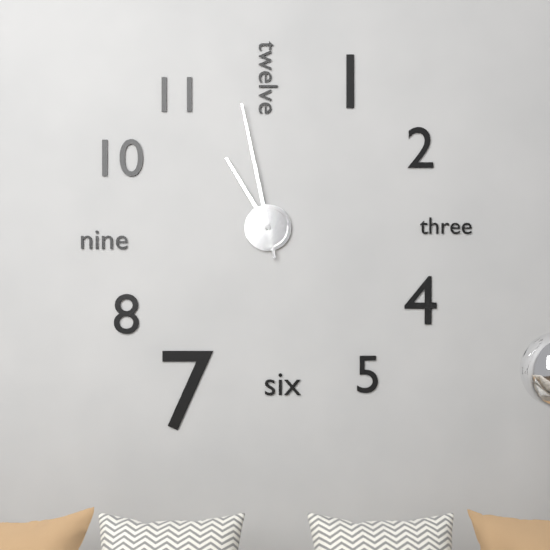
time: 10:58
